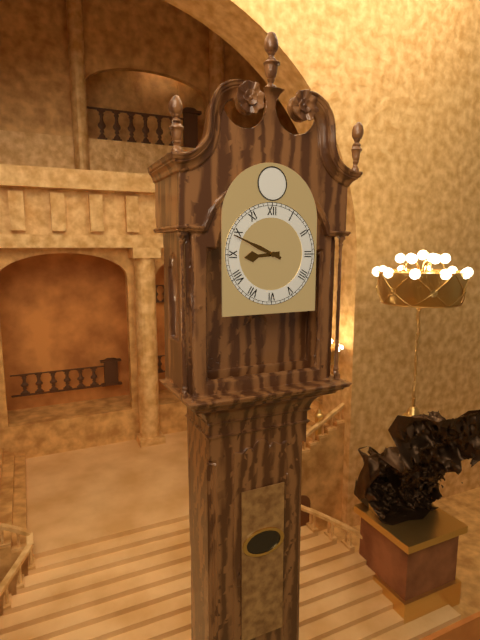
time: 8:49
